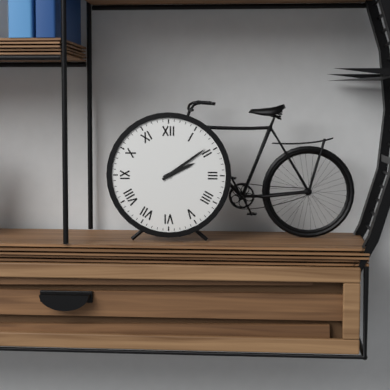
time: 2:09
